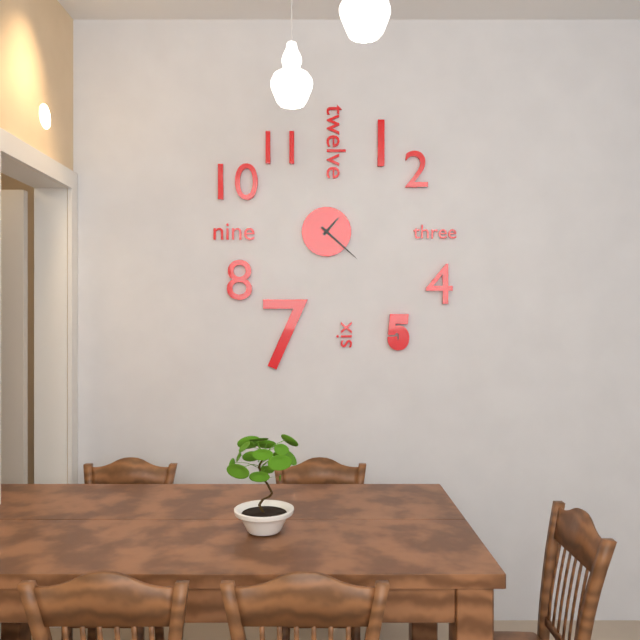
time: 1:22
